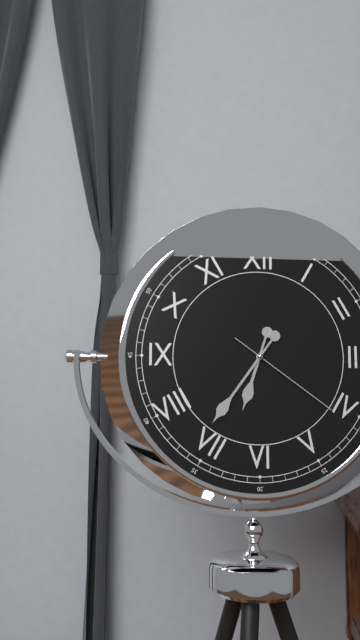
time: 6:36:21
